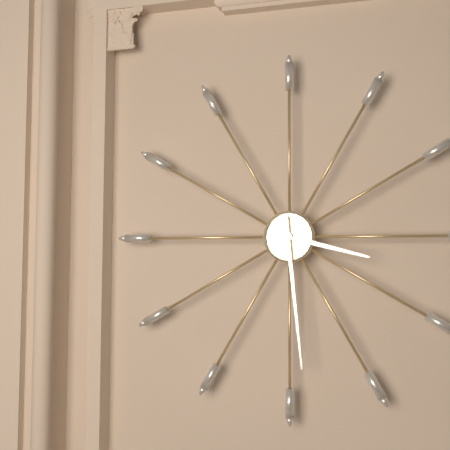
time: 3:29
